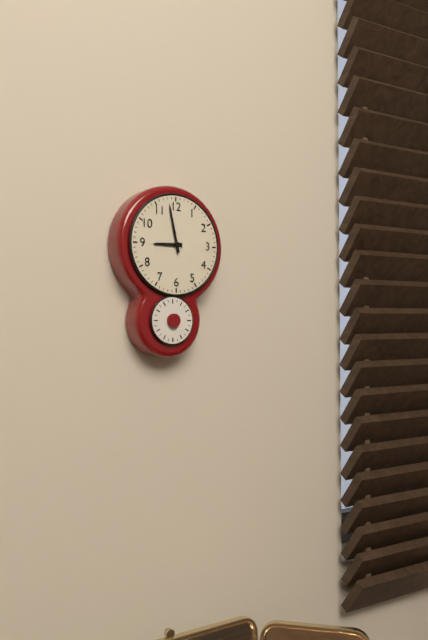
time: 8:58
